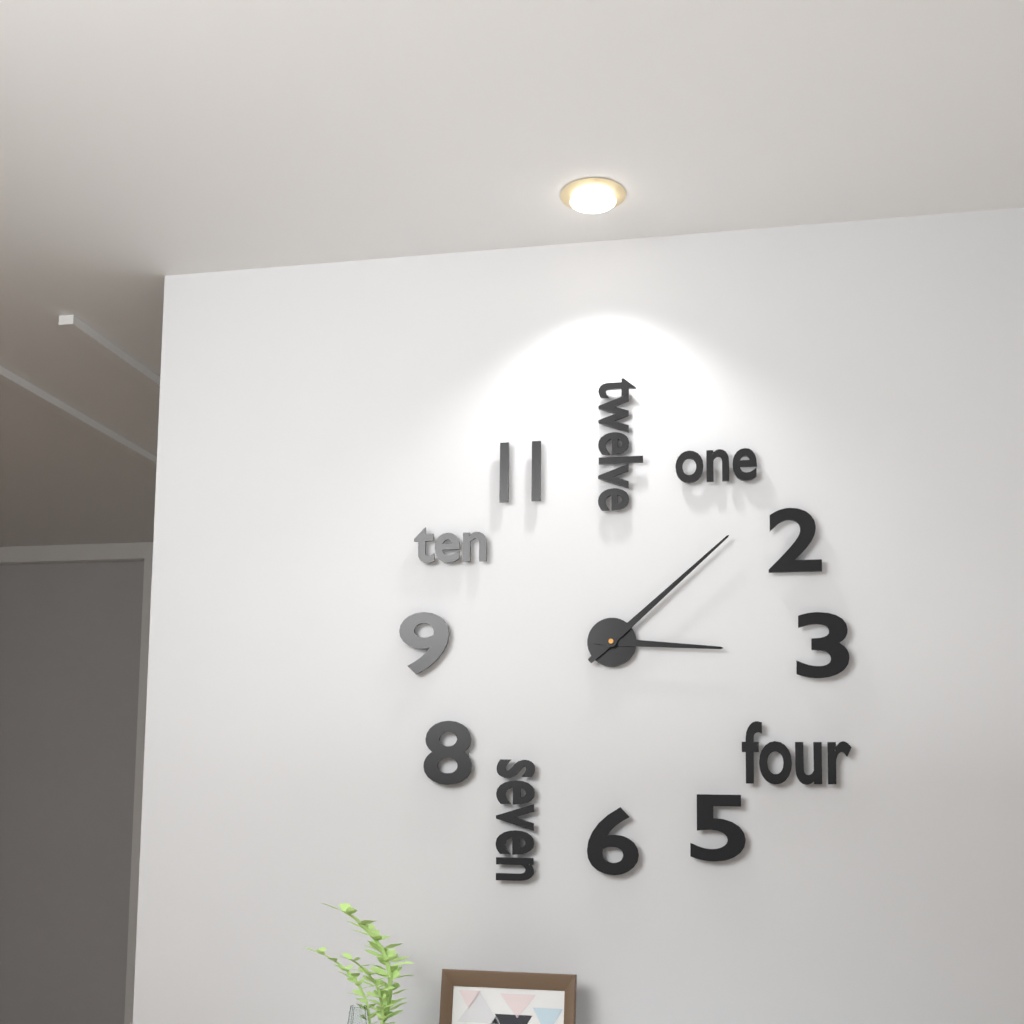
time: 3:08
